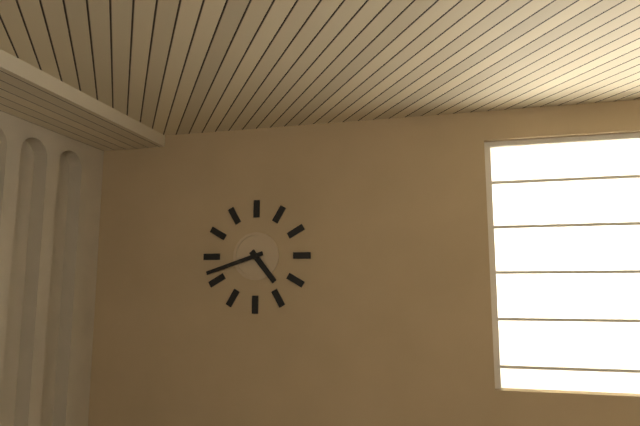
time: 4:42
